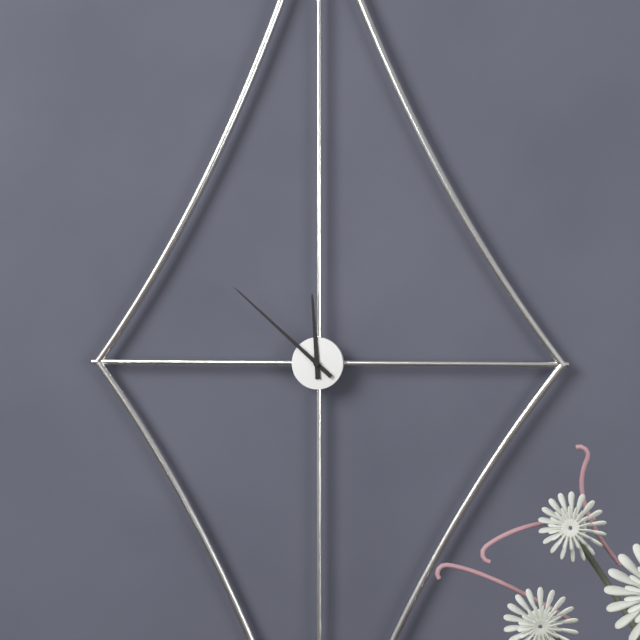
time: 11:52
